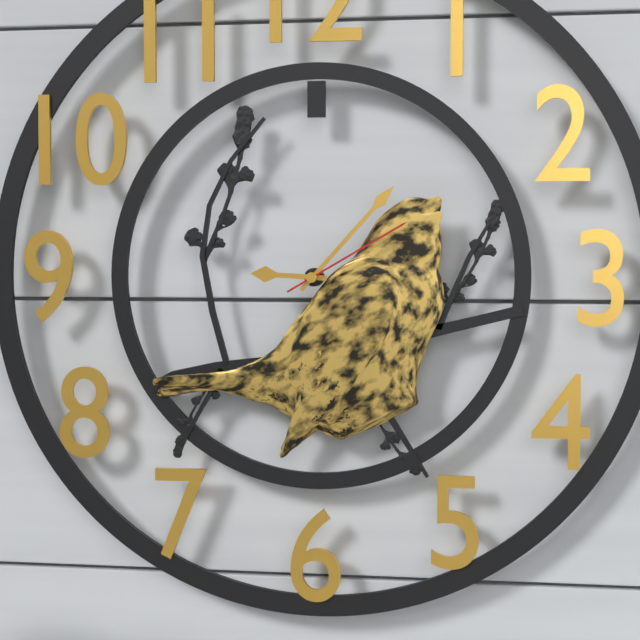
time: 9:07:10
